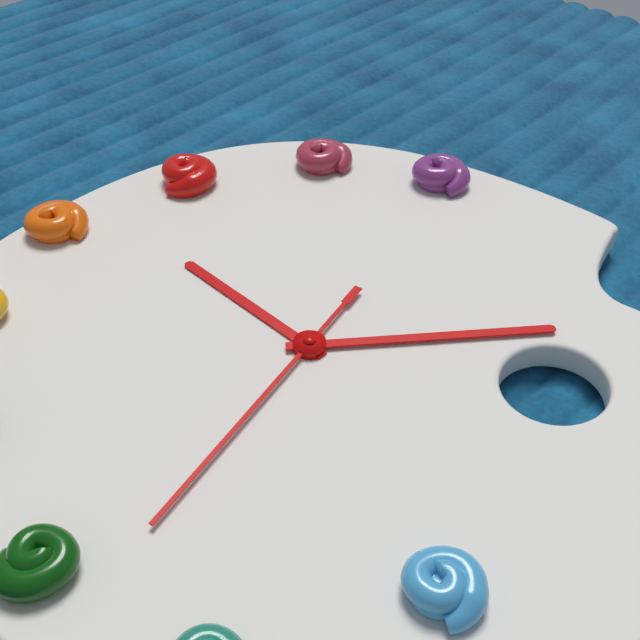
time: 9:07:28
